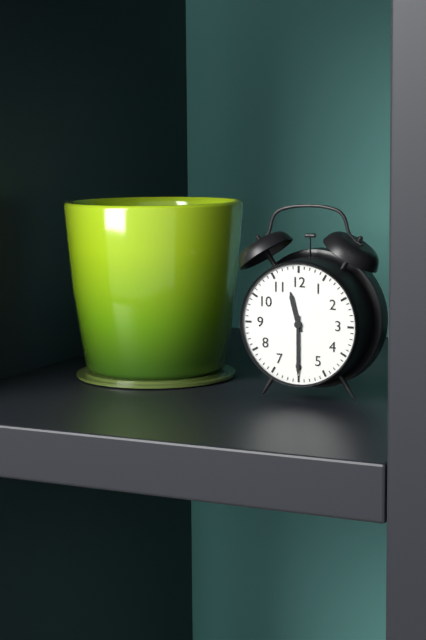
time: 11:30
